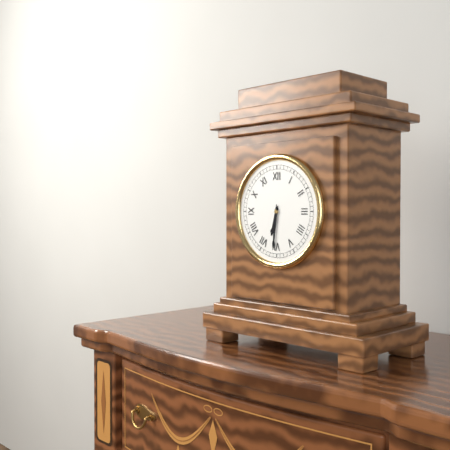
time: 6:31
